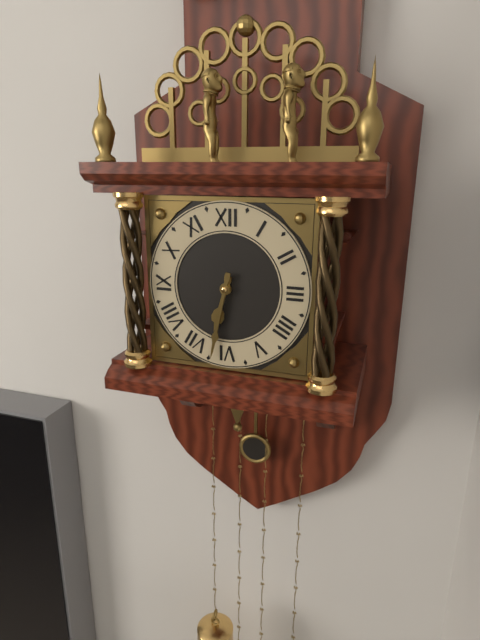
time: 6:32
